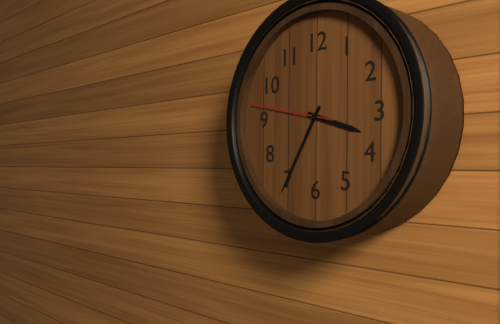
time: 3:35:47
